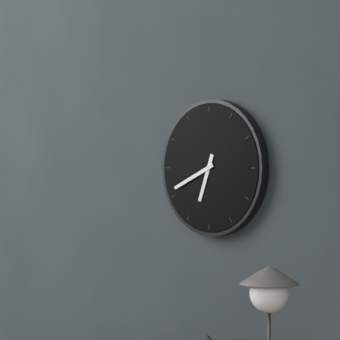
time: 6:41
